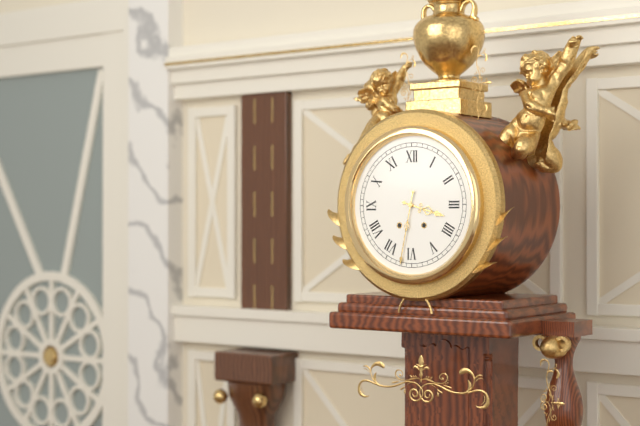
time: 3:32
